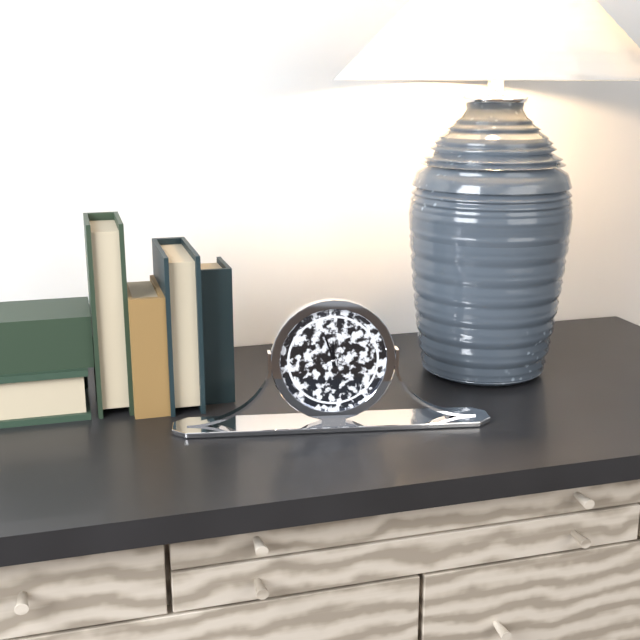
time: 11:57
